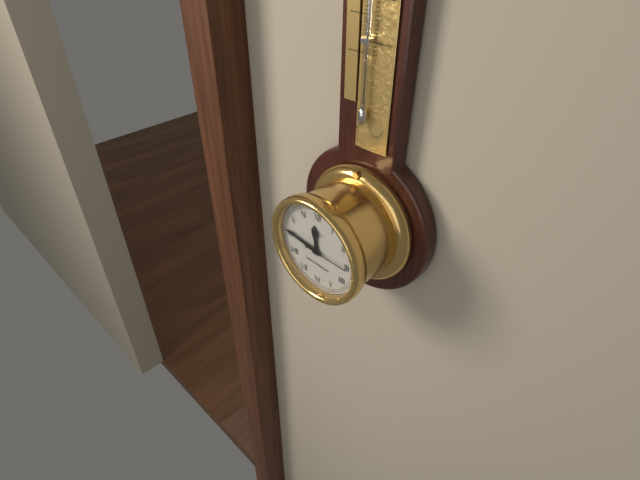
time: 11:46
